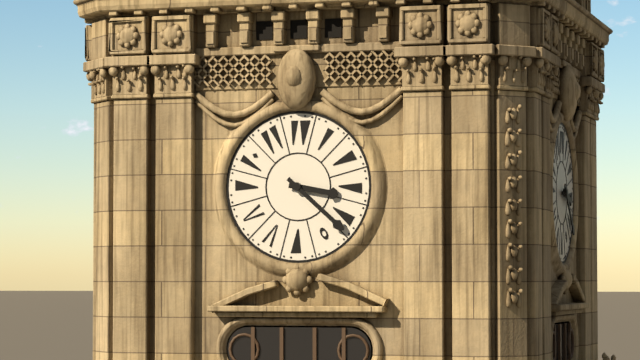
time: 3:22
